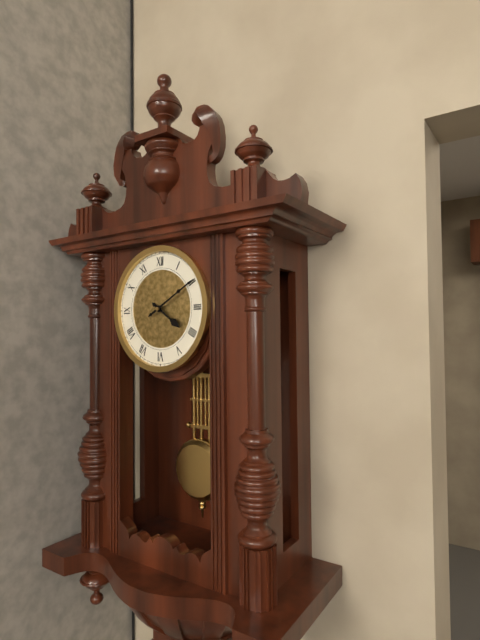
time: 4:10
